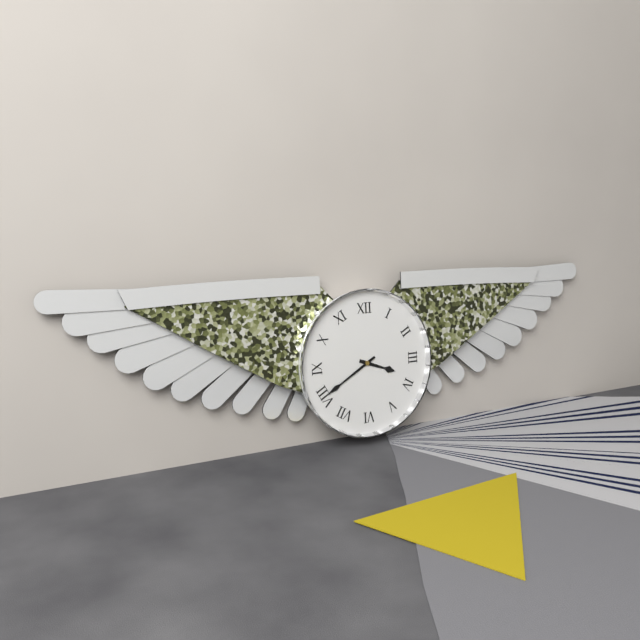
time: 3:40
